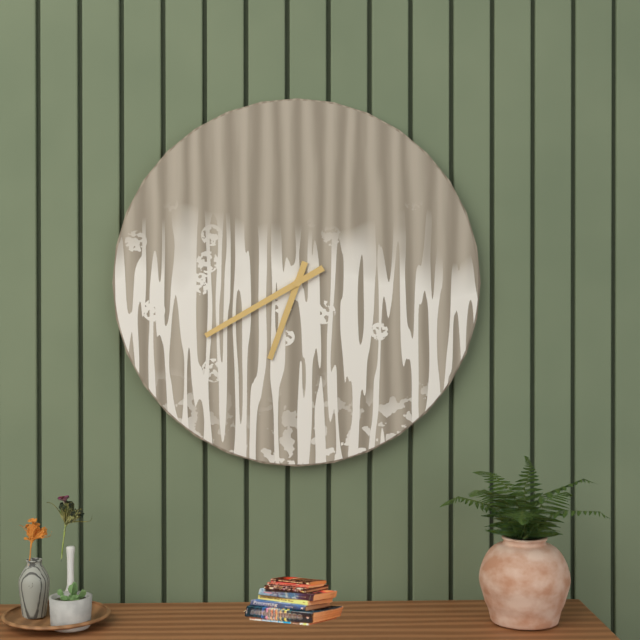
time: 6:40
